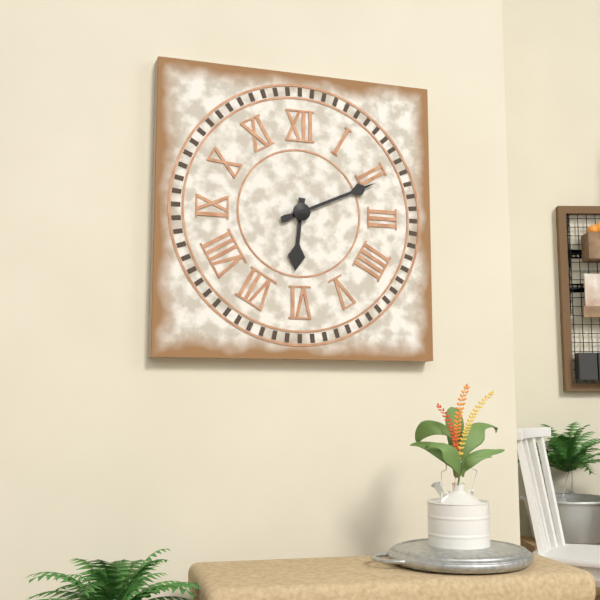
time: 6:11
